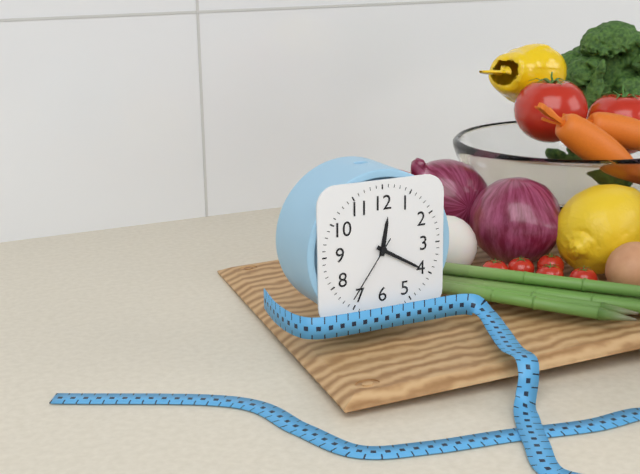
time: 12:20:36
